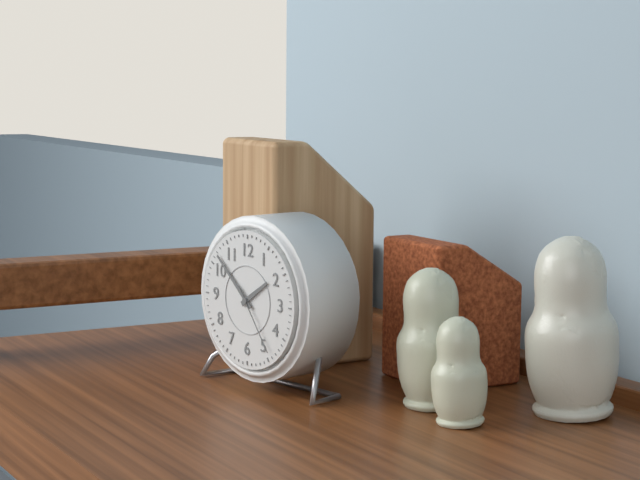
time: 1:52:24
